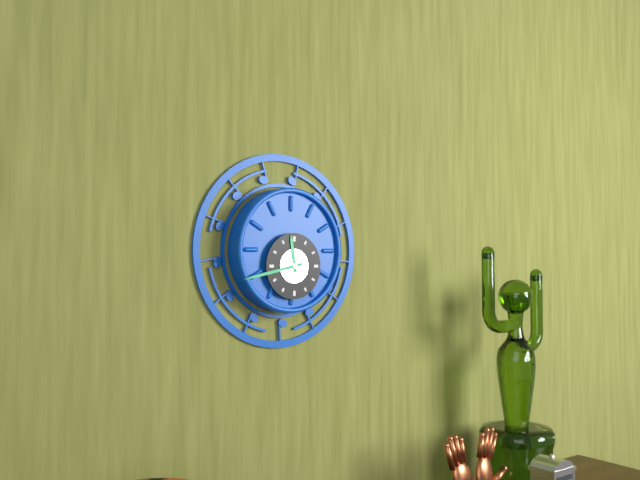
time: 11:43
